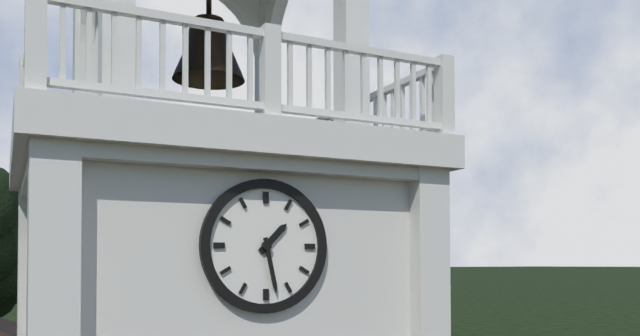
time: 1:28
